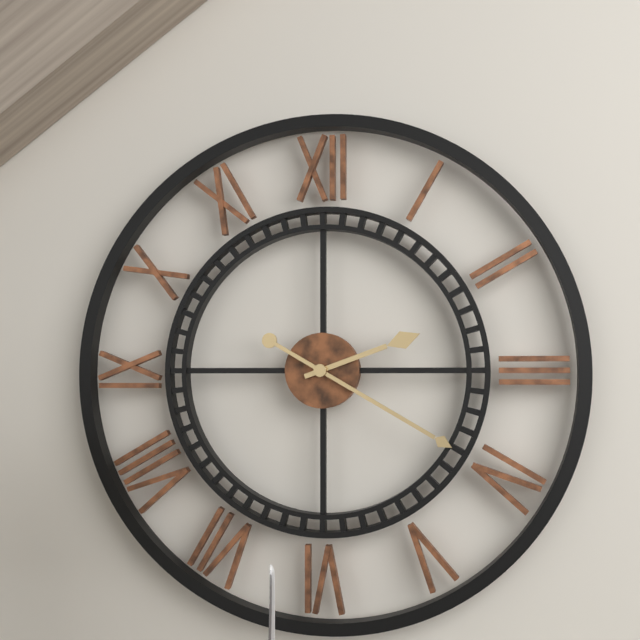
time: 2:20
